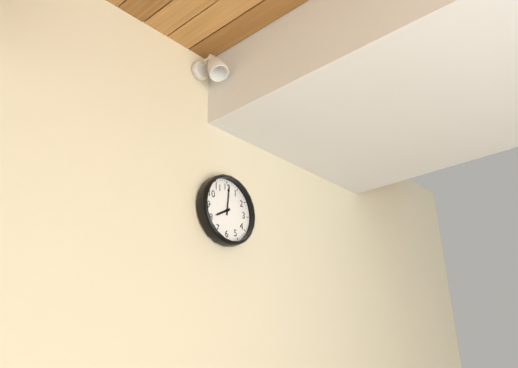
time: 8:01
